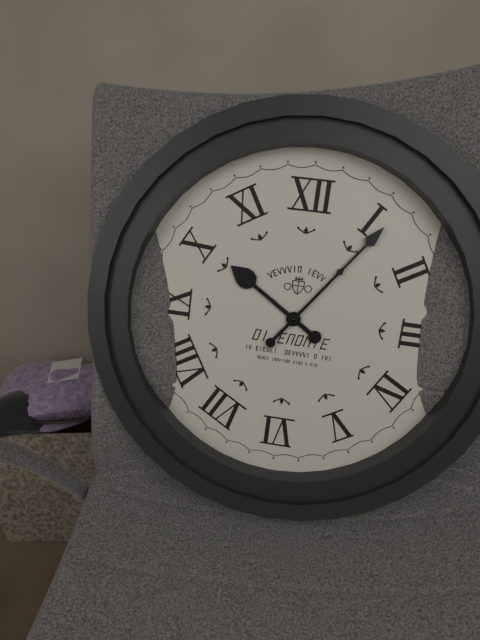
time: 10:06
